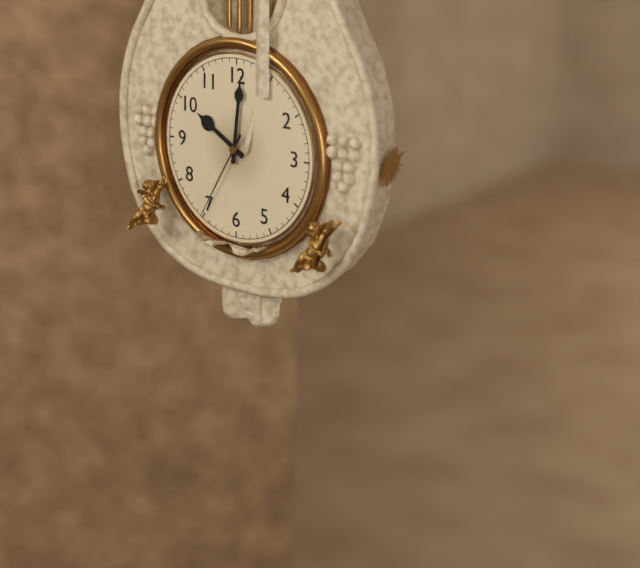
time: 10:01:35
